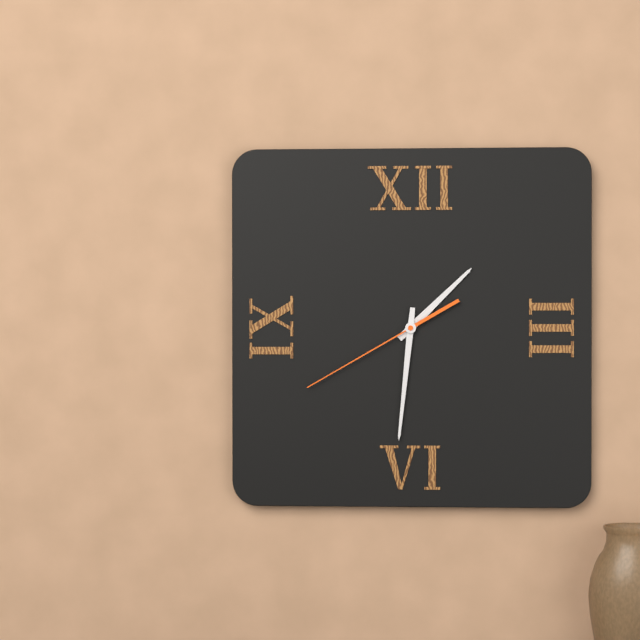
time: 1:31:40
